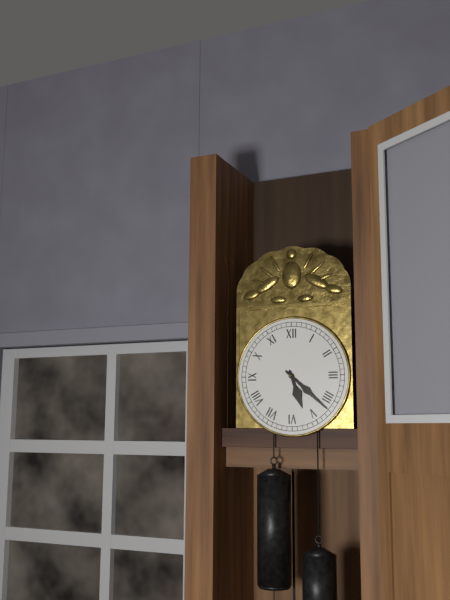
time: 5:22
